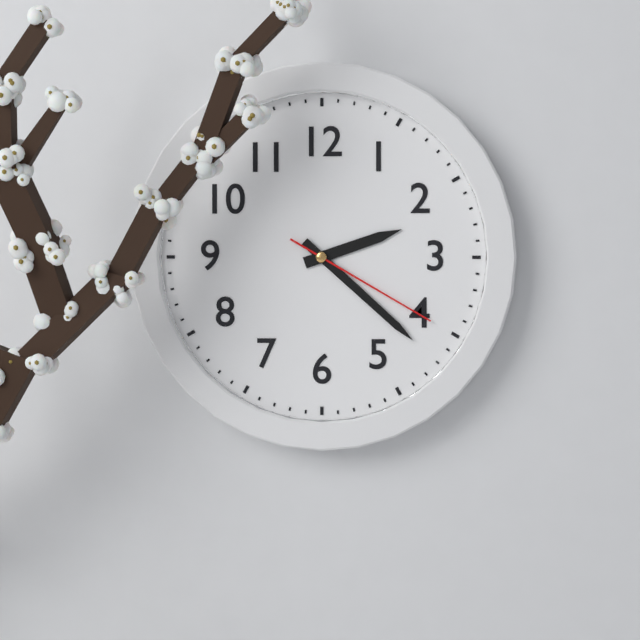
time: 2:22:20
